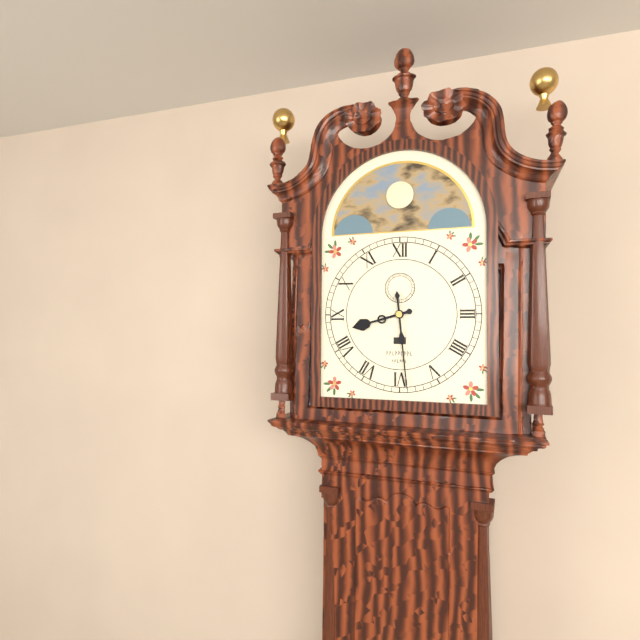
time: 8:29
